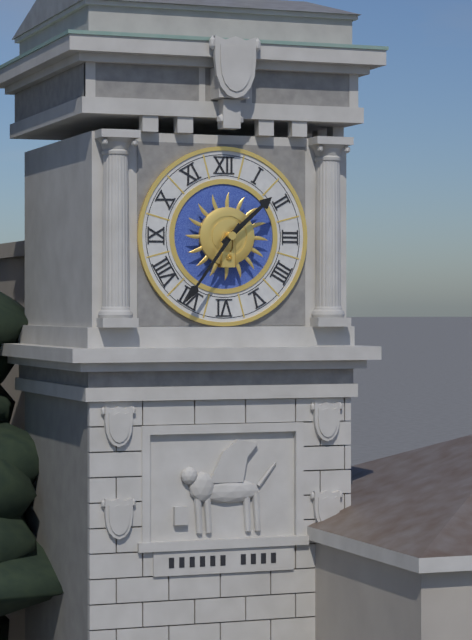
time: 1:36
